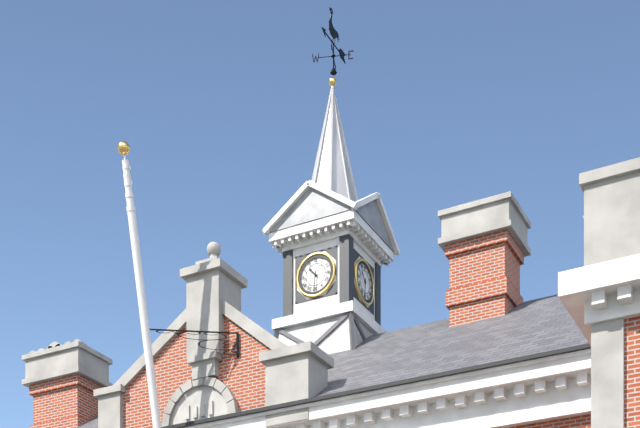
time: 10:31
